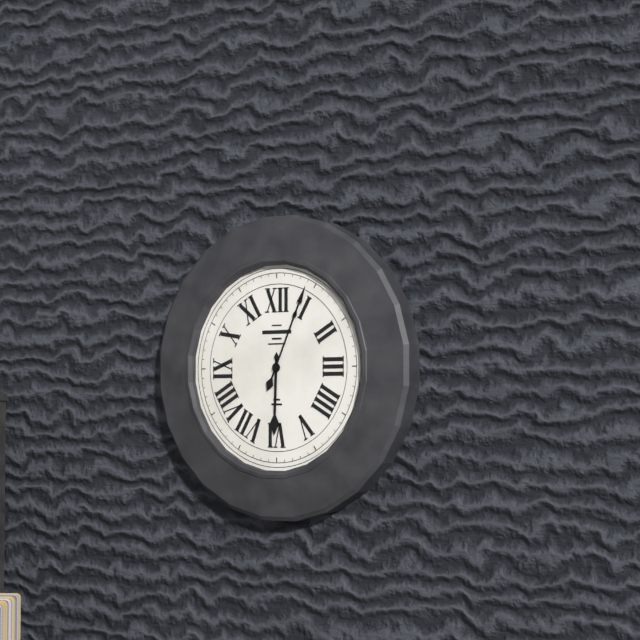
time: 6:04
